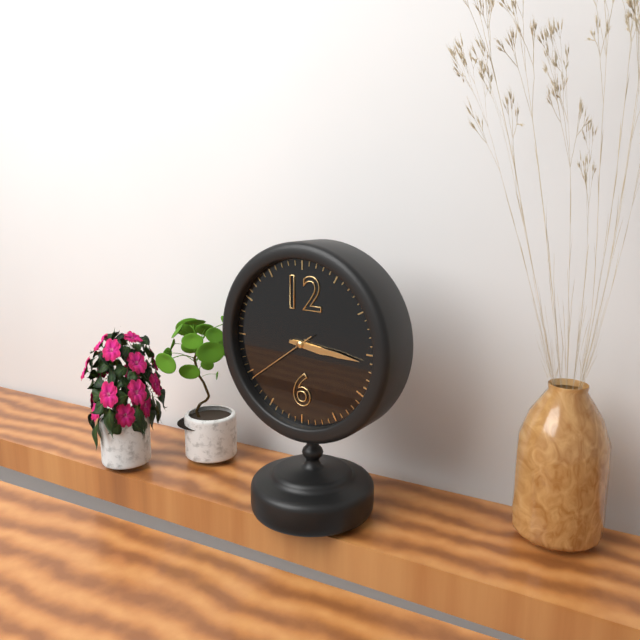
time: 3:16:39
